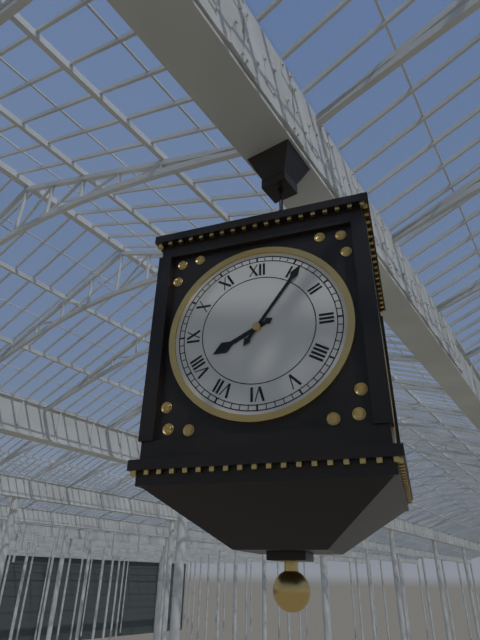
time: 8:06
